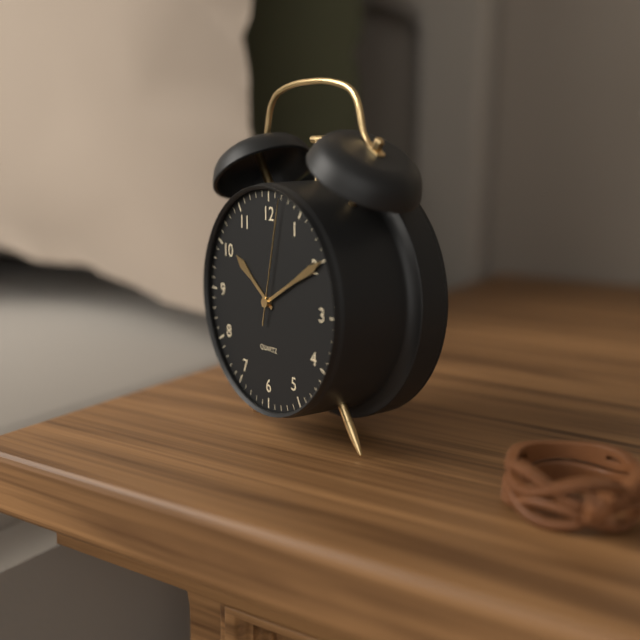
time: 10:10:02
